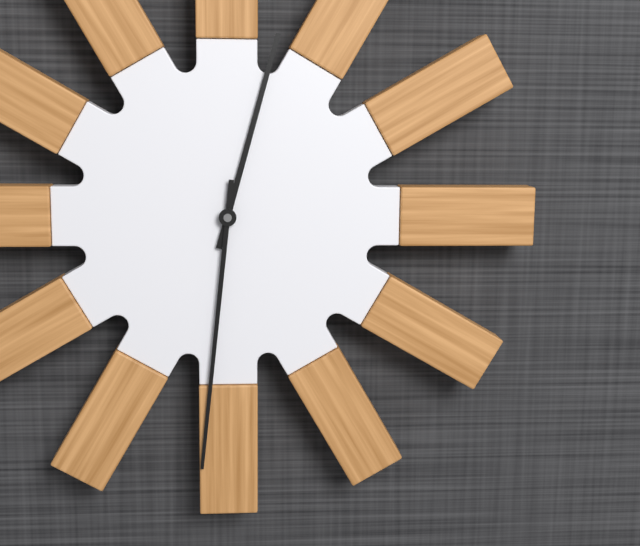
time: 12:31
